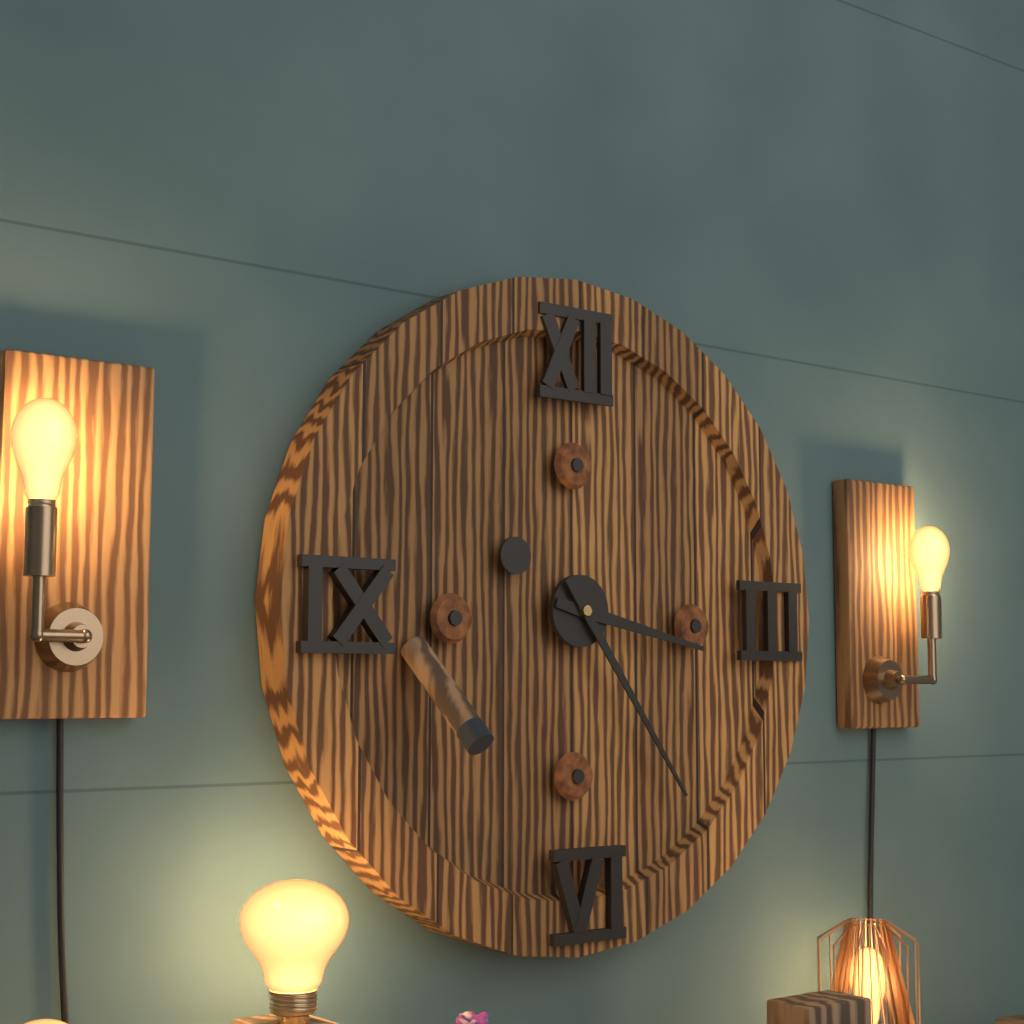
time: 3:24
